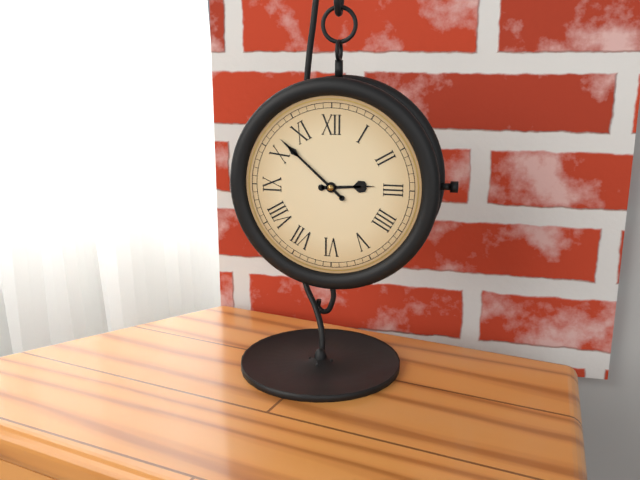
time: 2:52
